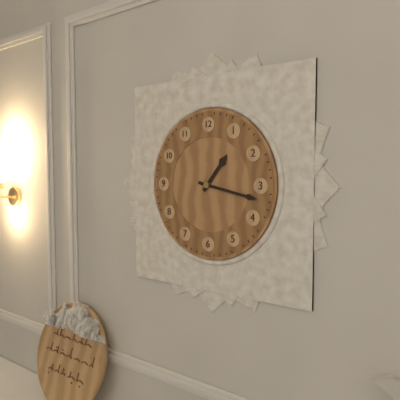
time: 1:17
